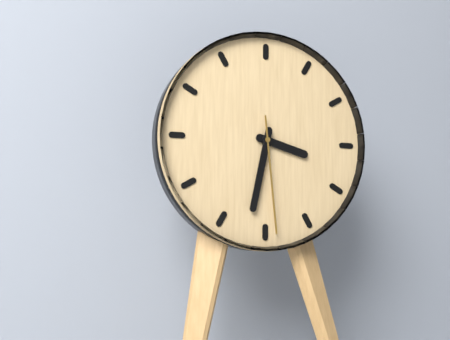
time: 3:32:29
